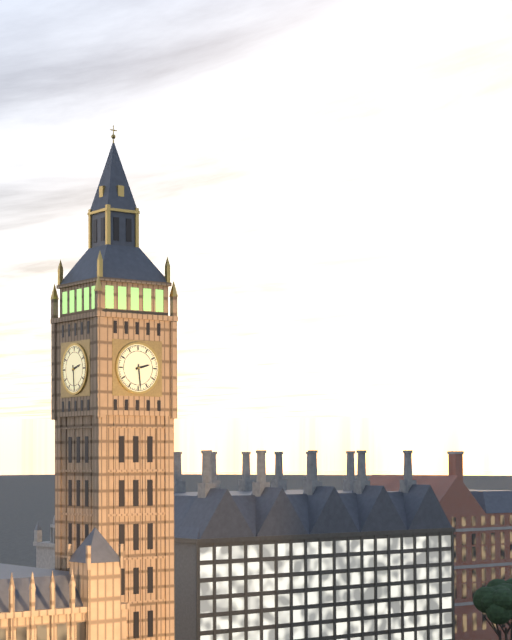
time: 2:29
